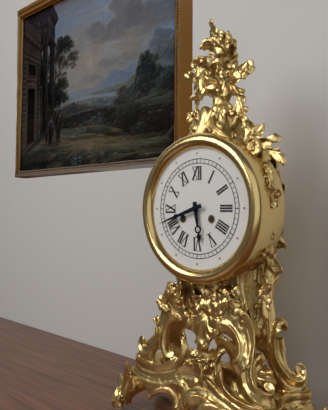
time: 5:42
